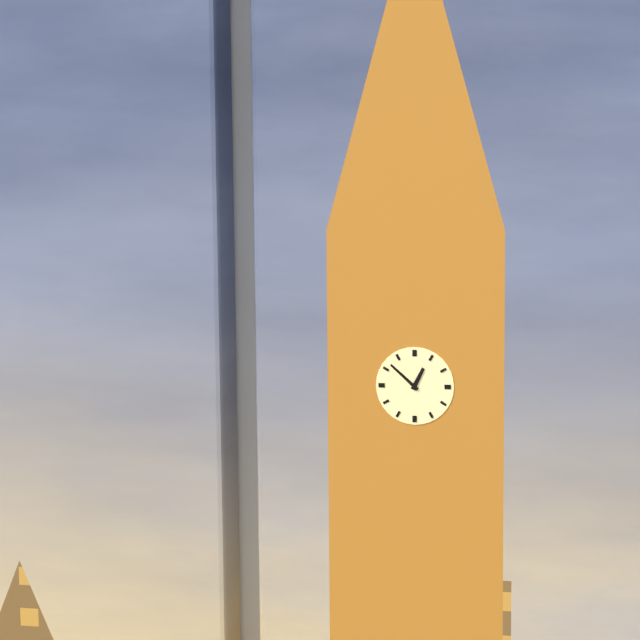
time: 12:52
